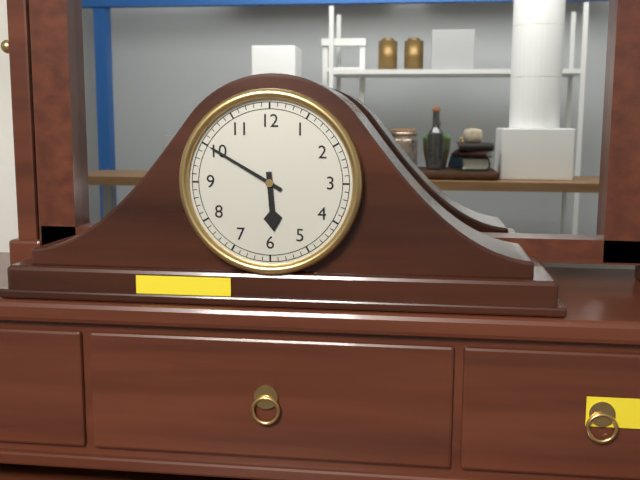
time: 5:50
